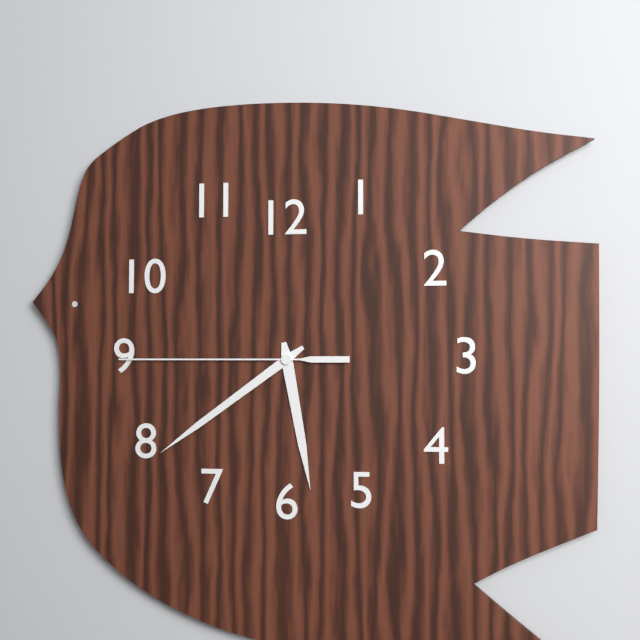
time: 5:39:45
